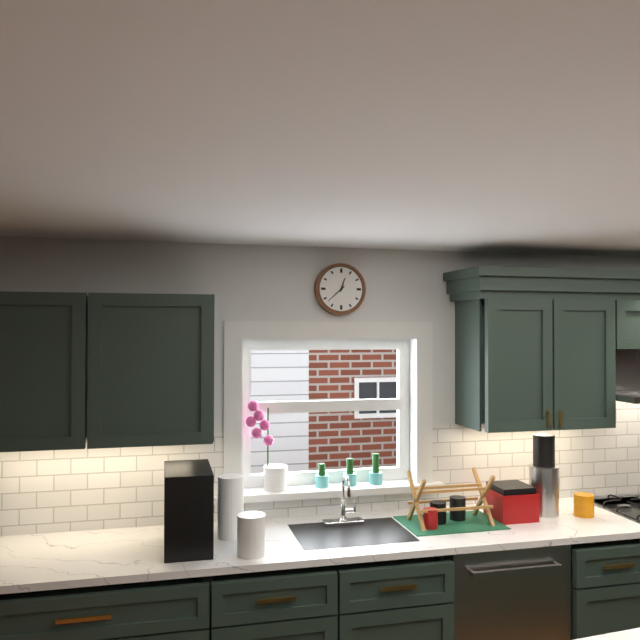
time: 12:38
